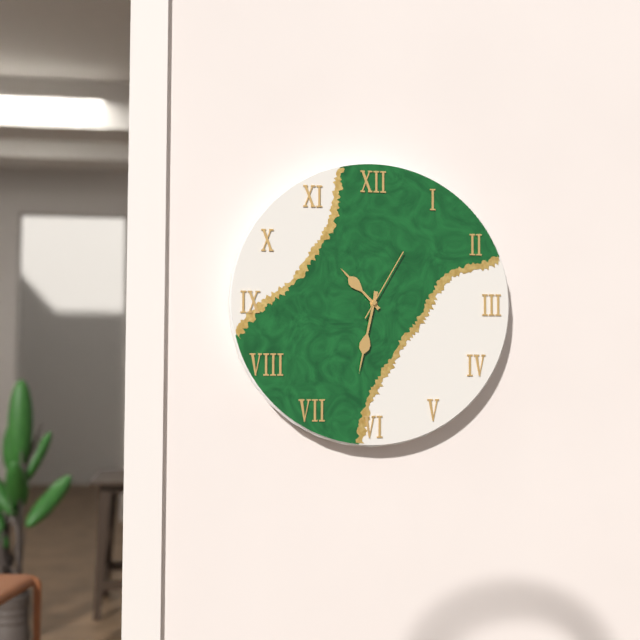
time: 10:32:05
